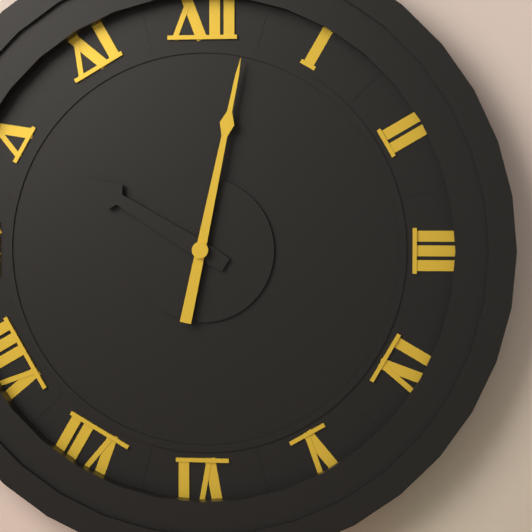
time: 10:02
